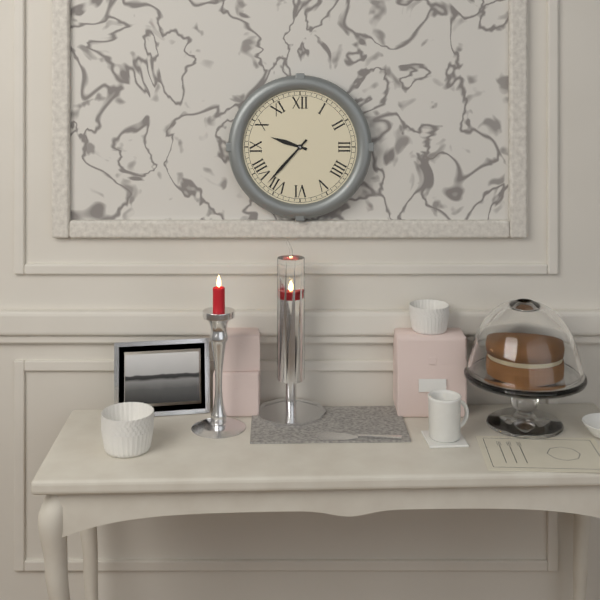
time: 9:37
